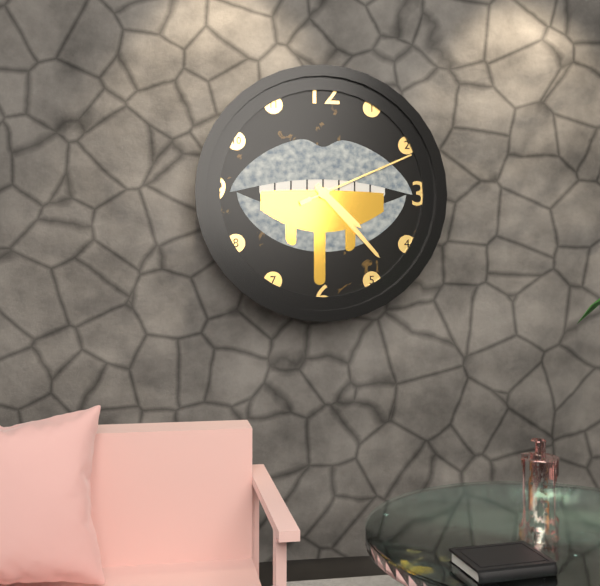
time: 4:23:11
